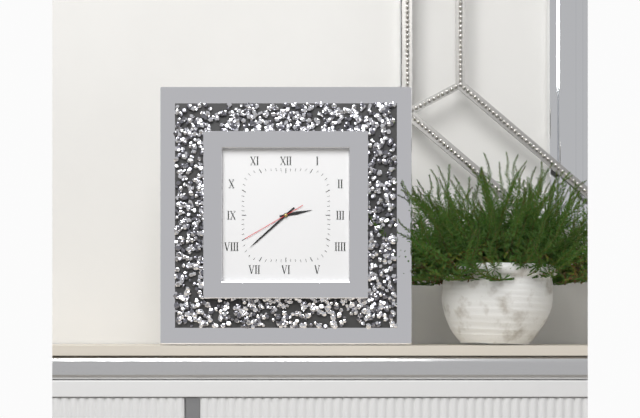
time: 2:38:40
